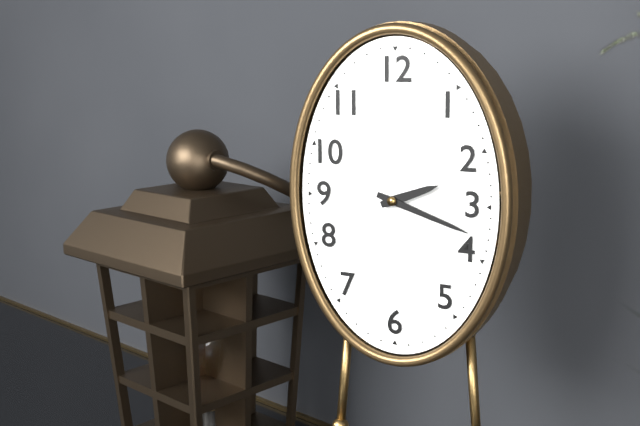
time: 2:18
